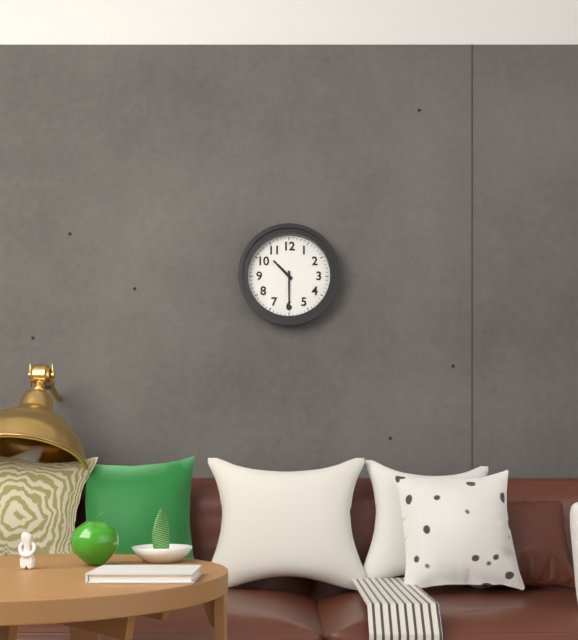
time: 10:30
